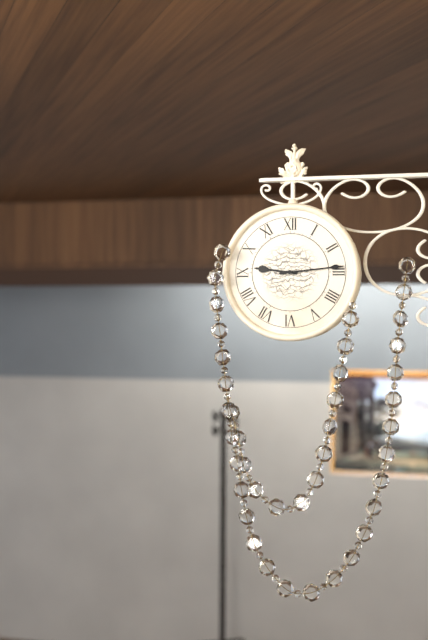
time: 9:14
